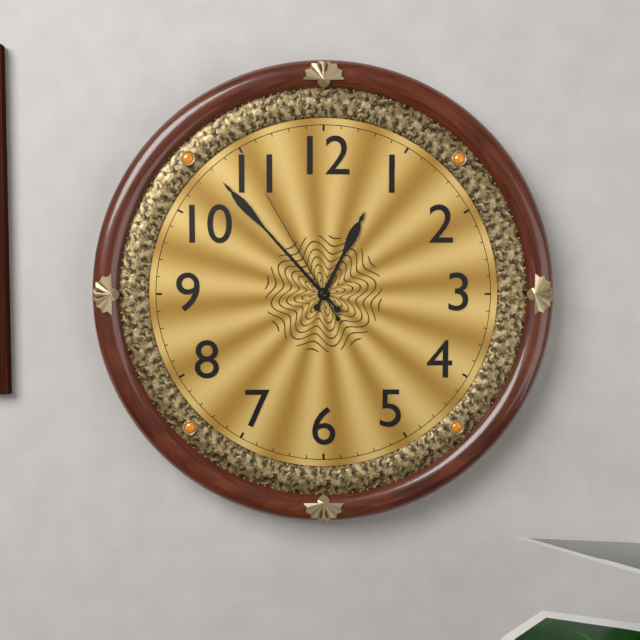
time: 12:53:55
